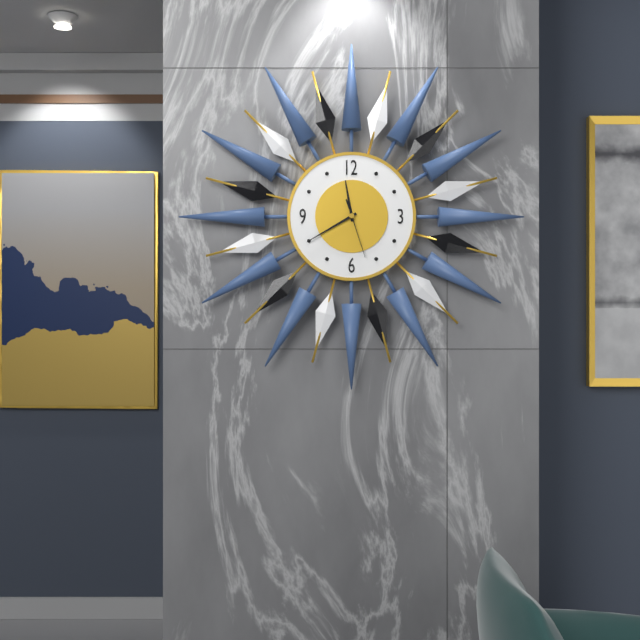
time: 11:40:27
